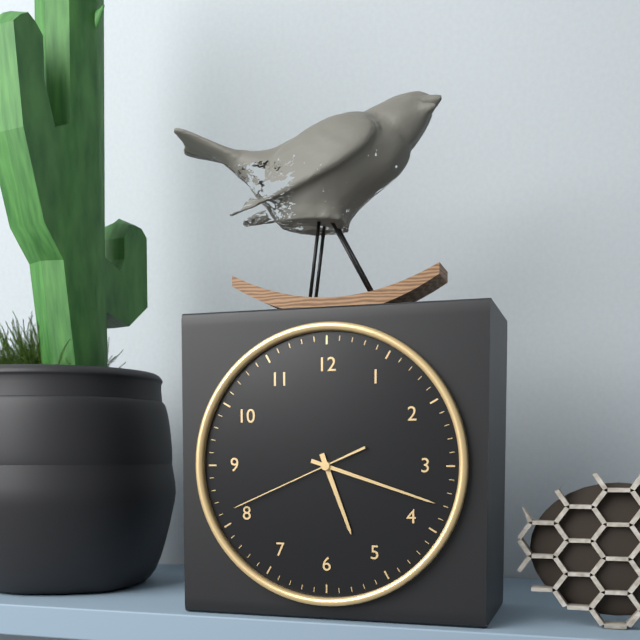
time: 5:18:41
